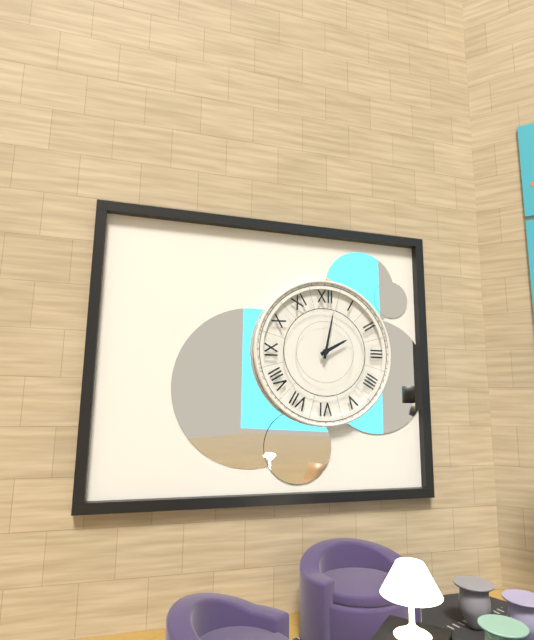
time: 2:02
